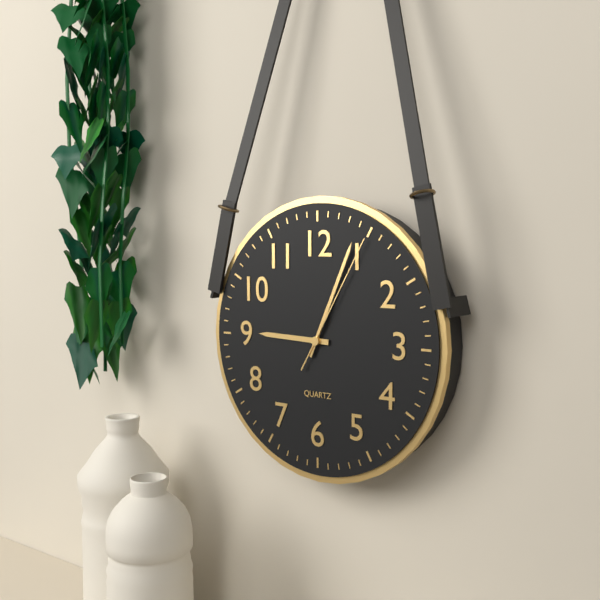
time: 9:04:05
